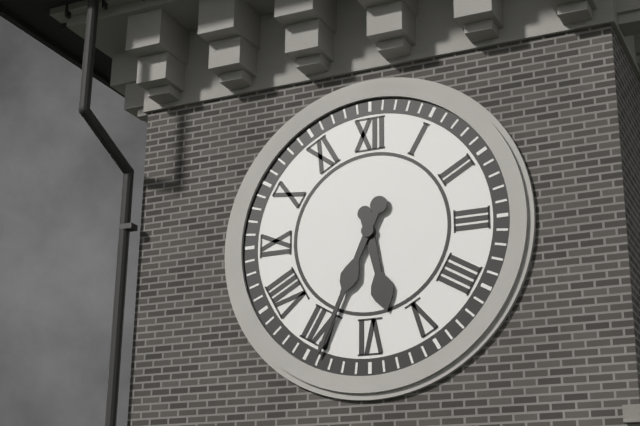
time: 5:34
